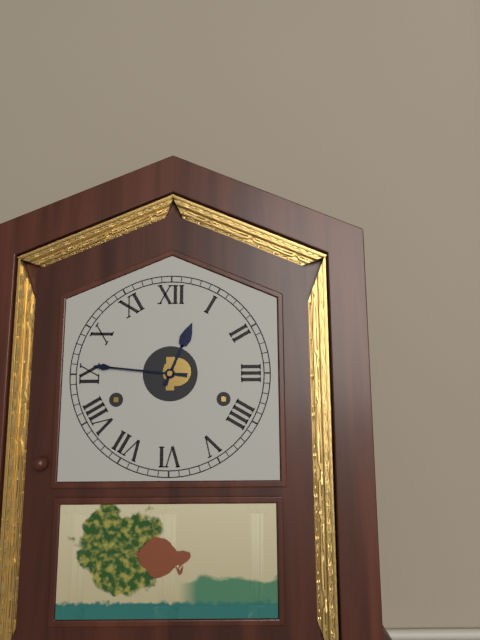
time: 12:46
